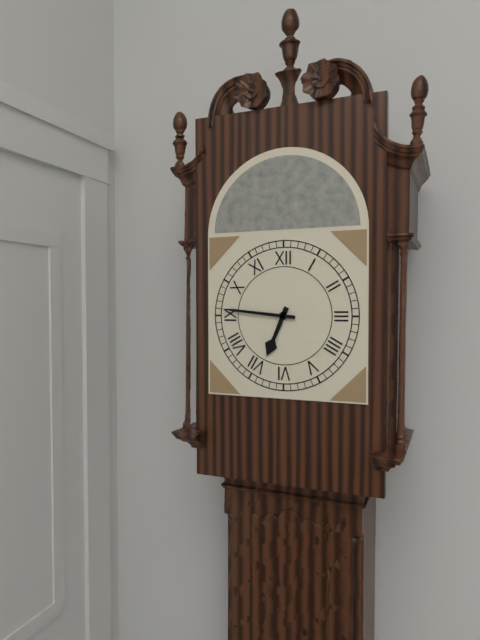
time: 6:46
